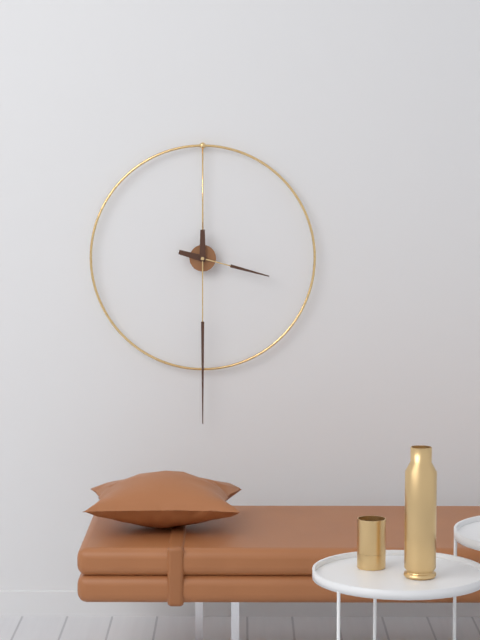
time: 3:30
